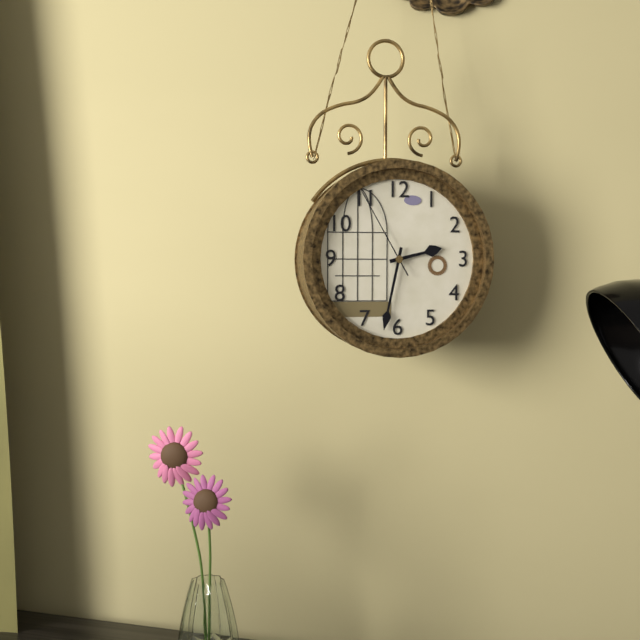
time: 2:32:55
